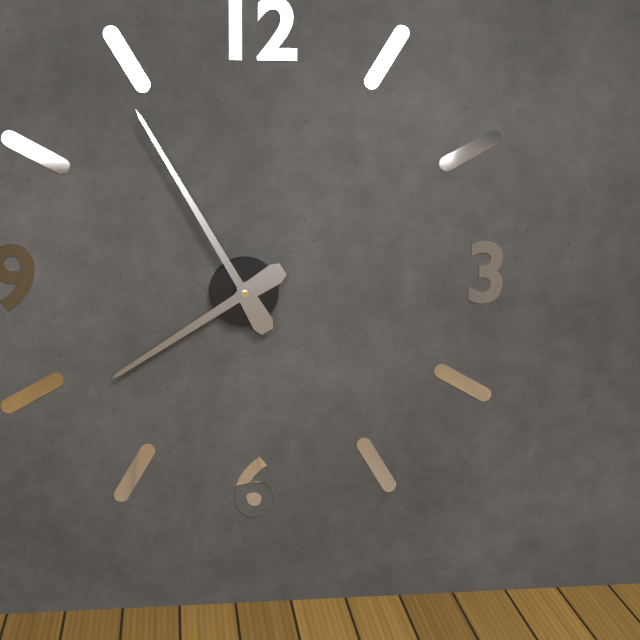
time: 7:55
